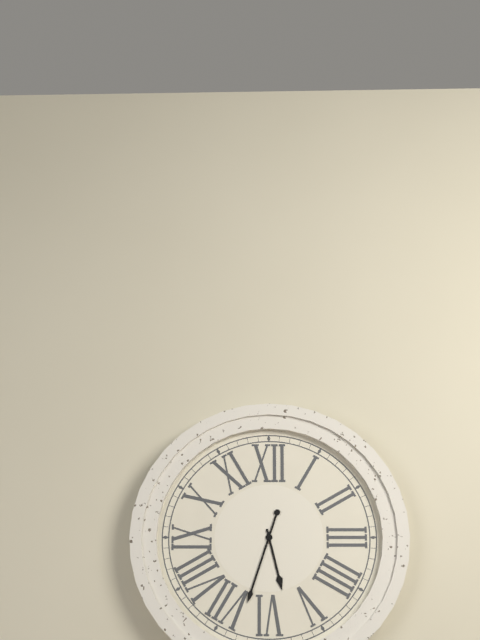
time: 5:33
